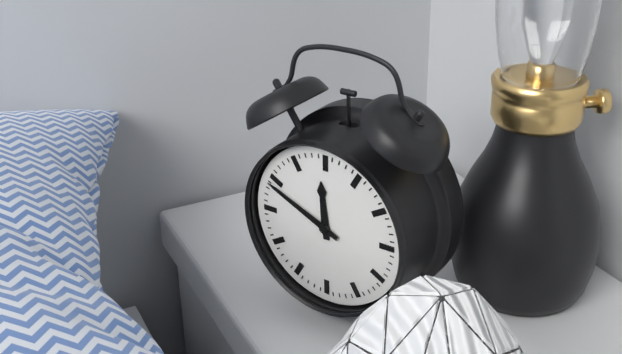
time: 11:49
